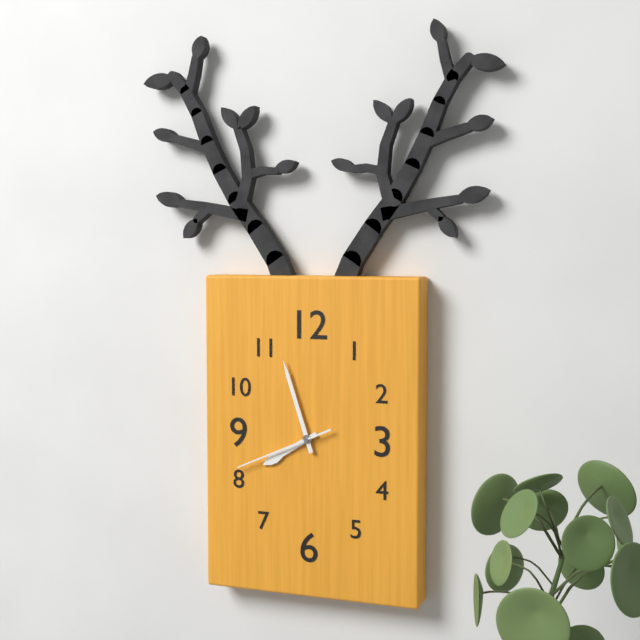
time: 7:57:41
